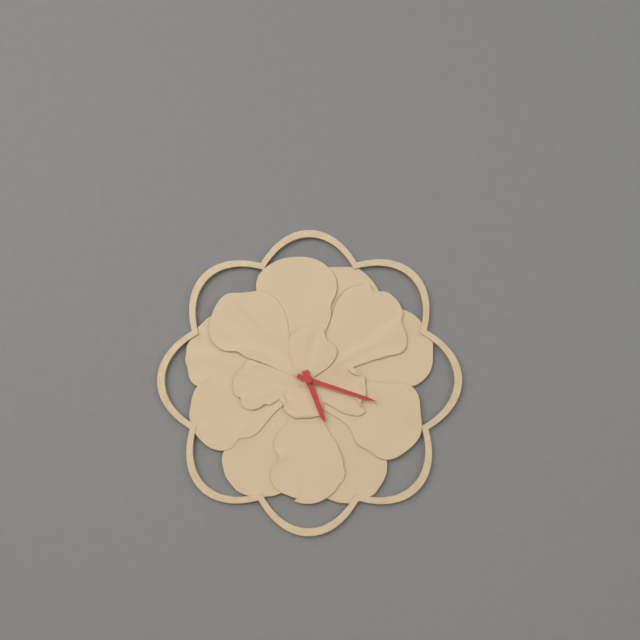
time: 5:18
